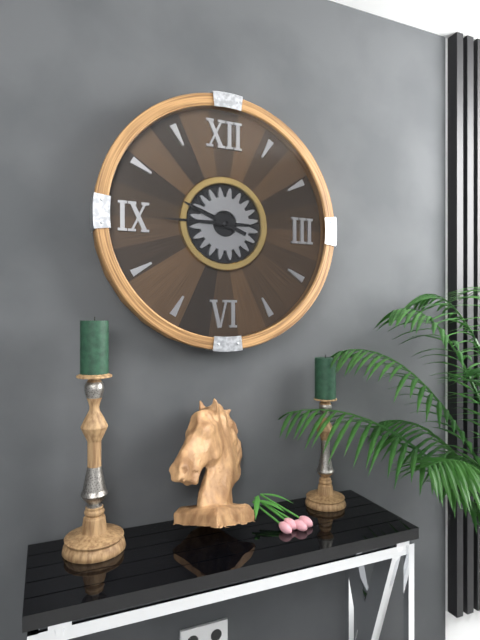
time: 9:45
